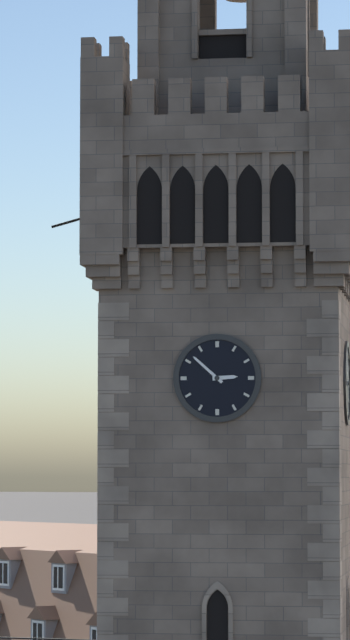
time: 2:52
